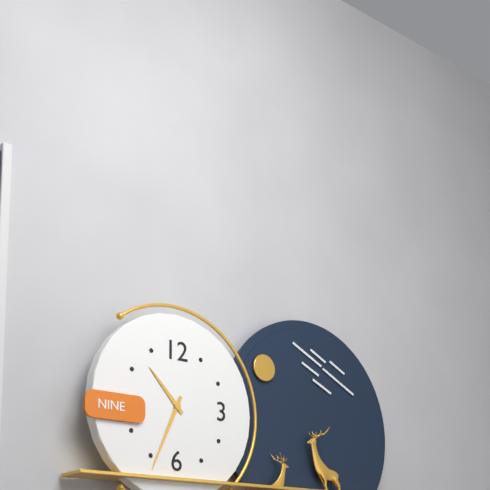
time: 10:34
